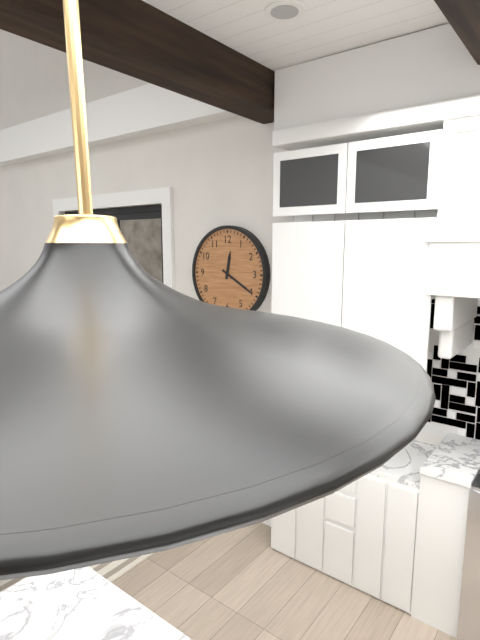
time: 12:20
